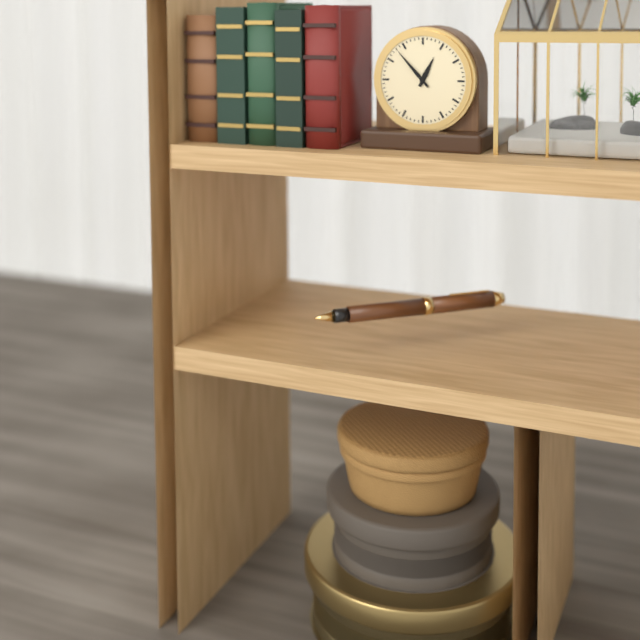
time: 12:53
